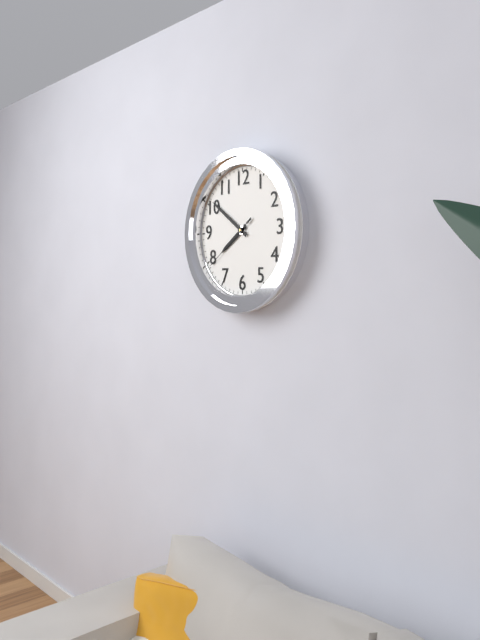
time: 7:51:39
